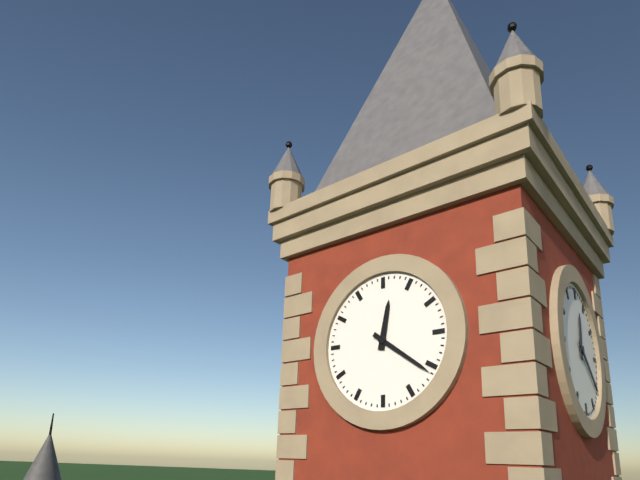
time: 12:21
